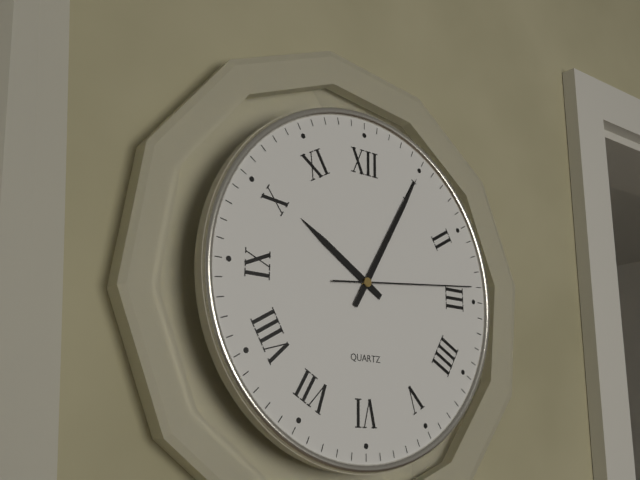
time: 10:05:14
